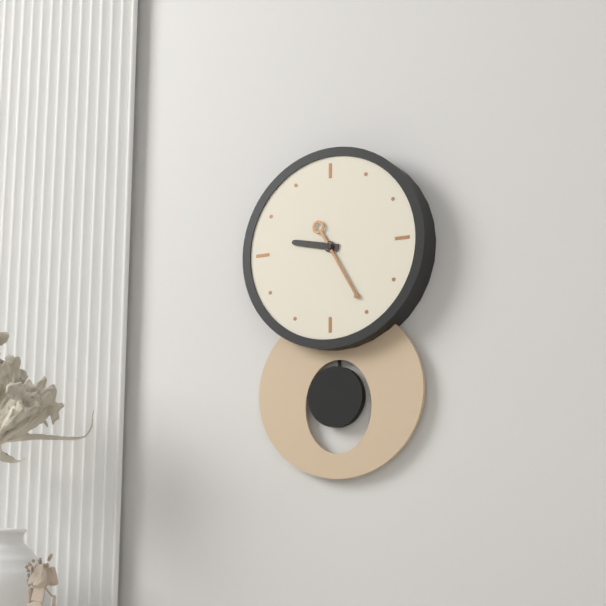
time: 9:25
